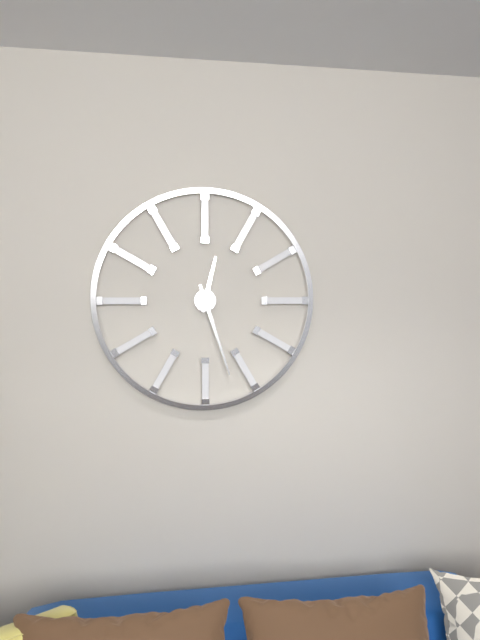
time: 12:27
